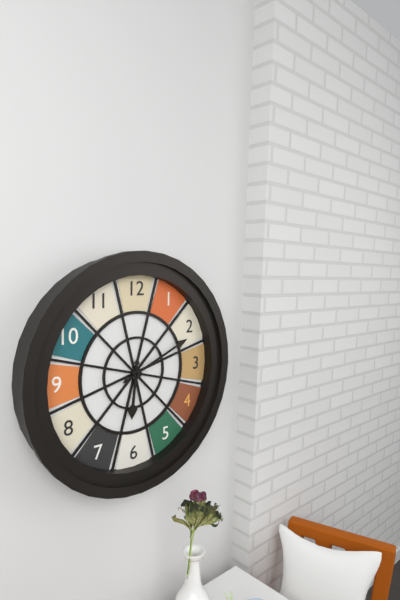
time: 6:11
